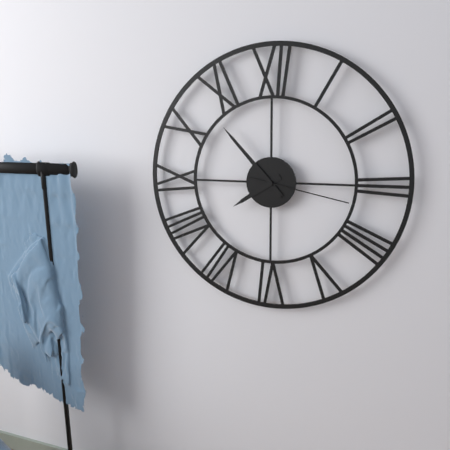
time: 7:53:17
